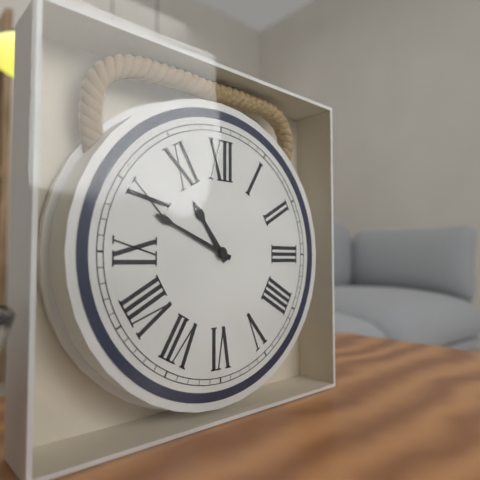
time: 10:49
